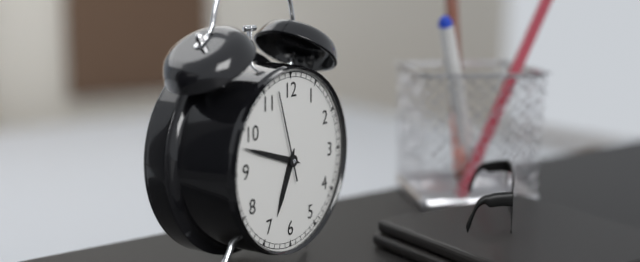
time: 6:48:57
